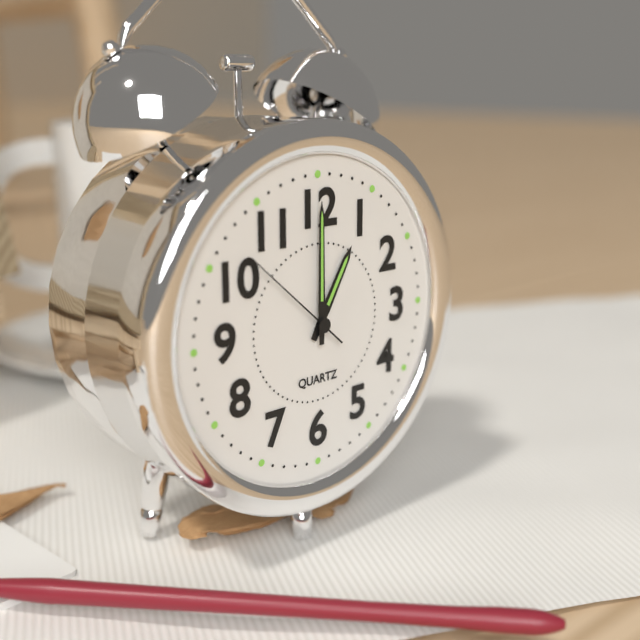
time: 1:00:52
